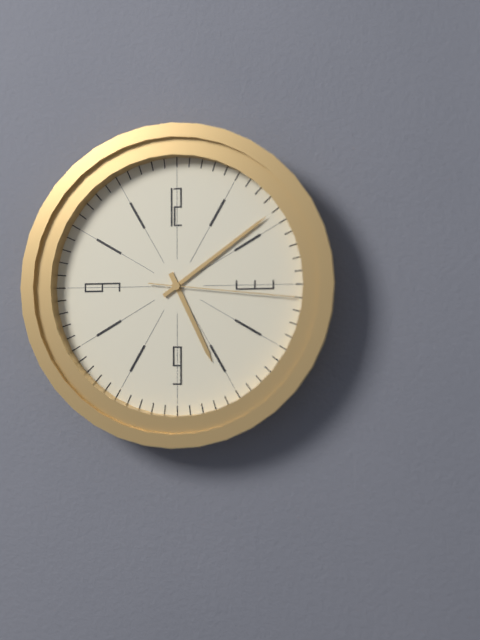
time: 5:09:16
